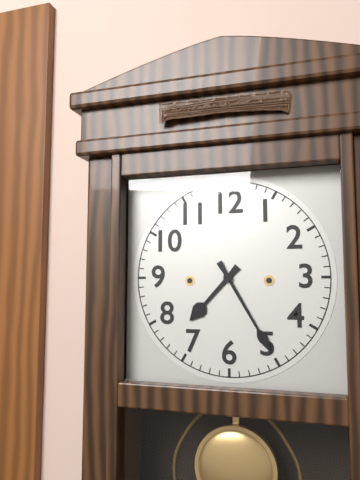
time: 7:25
